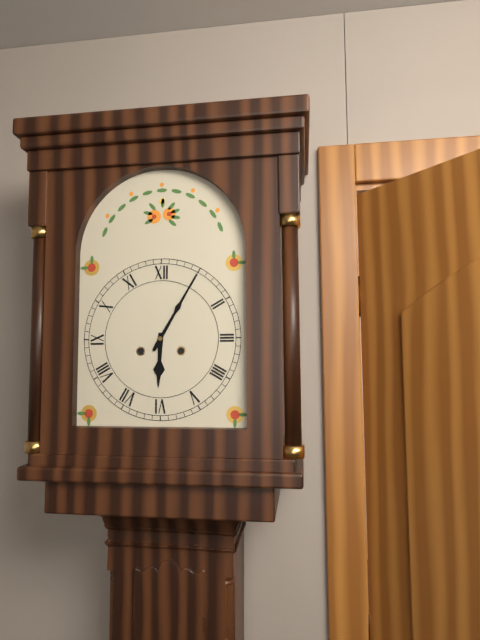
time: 6:05
